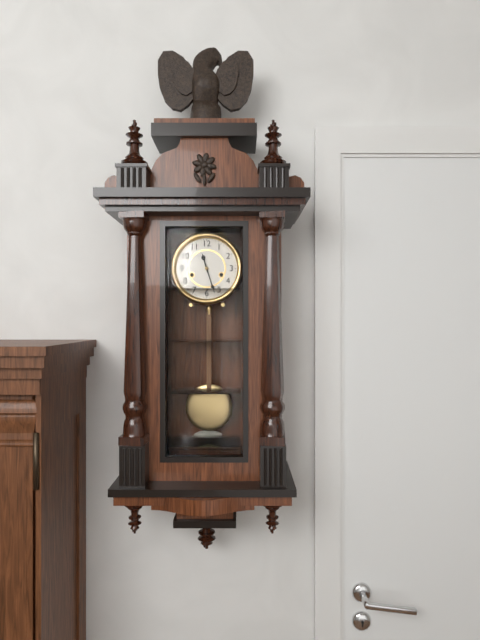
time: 11:27
